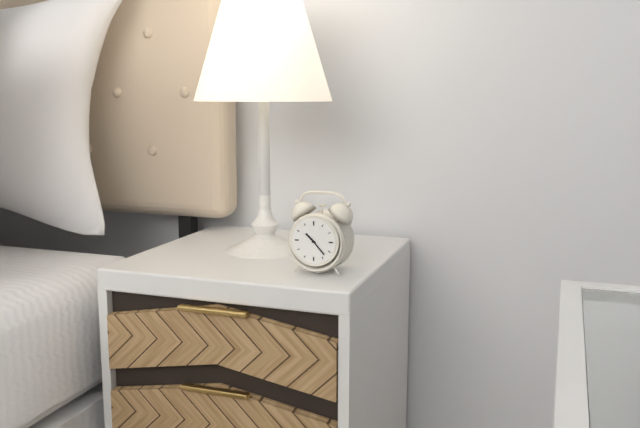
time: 10:23
